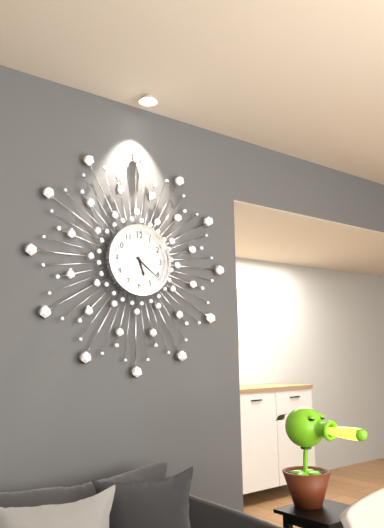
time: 5:21
